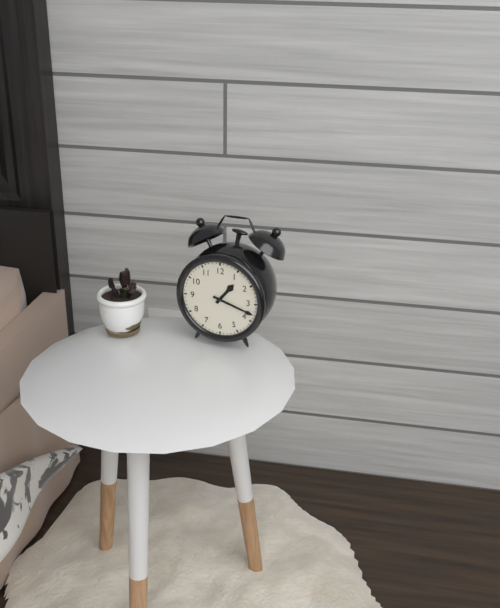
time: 1:18
